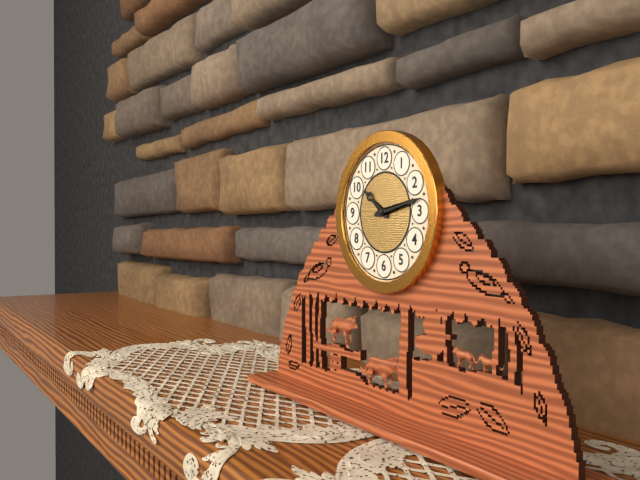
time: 10:13
